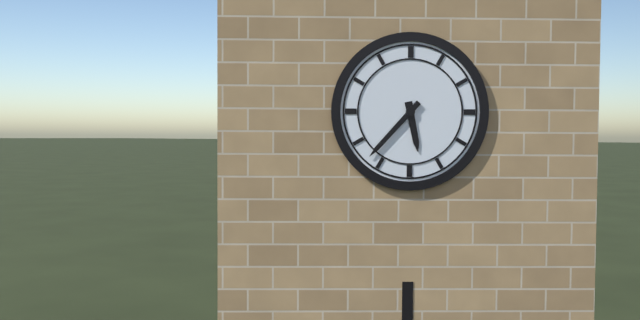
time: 5:37
